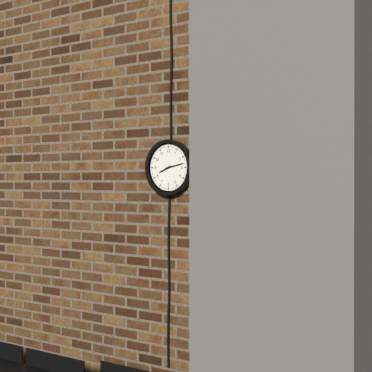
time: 8:13
